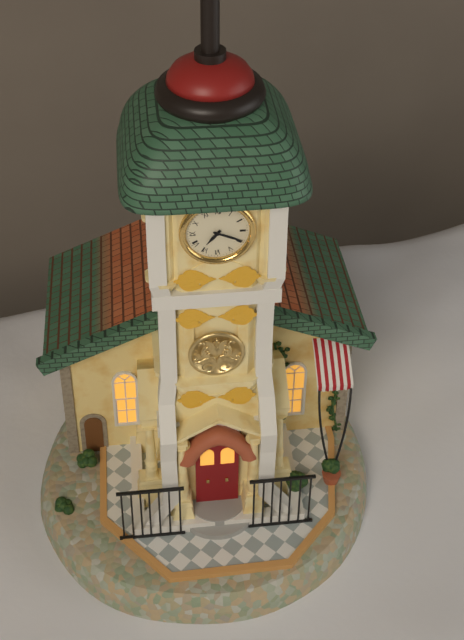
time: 7:19
